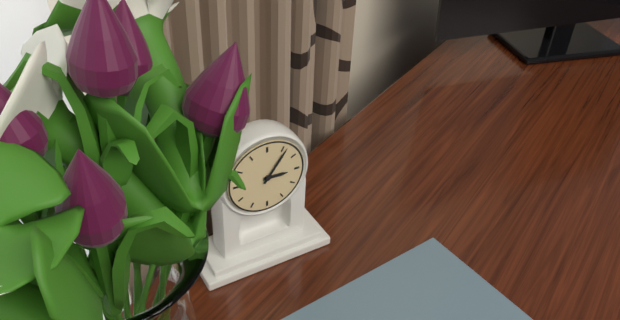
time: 3:06
